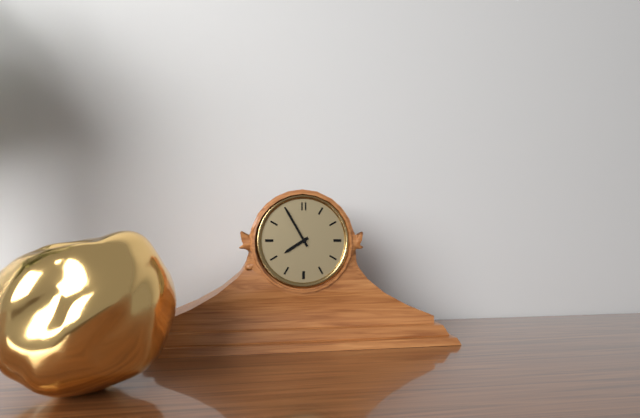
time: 7:55
